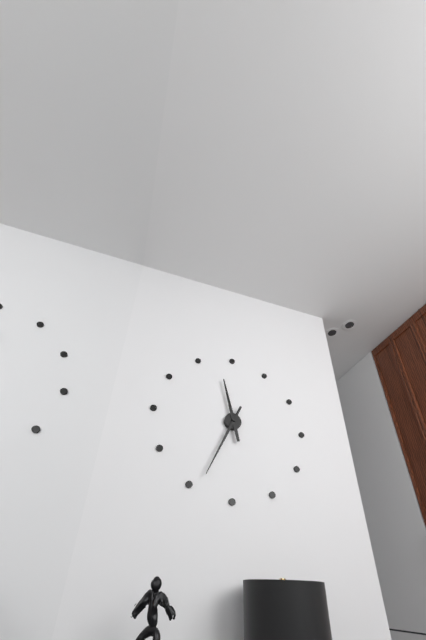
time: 11:34
